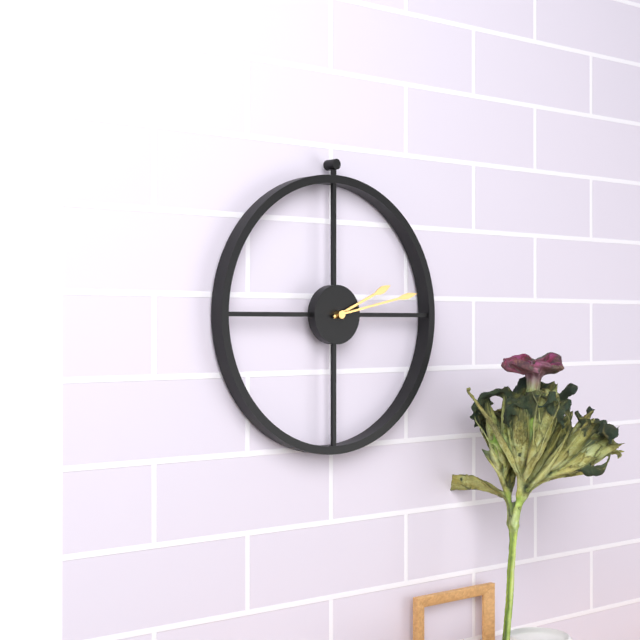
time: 2:13
